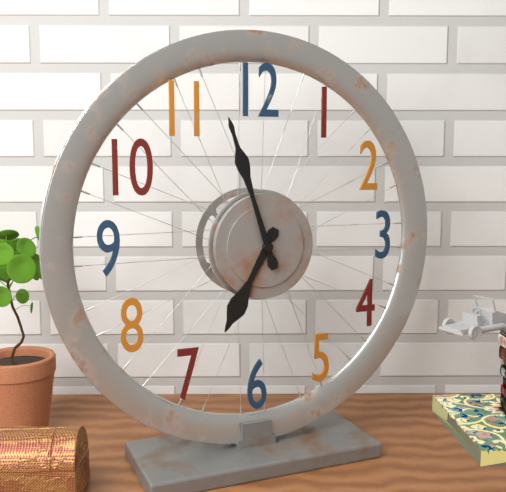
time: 6:57
